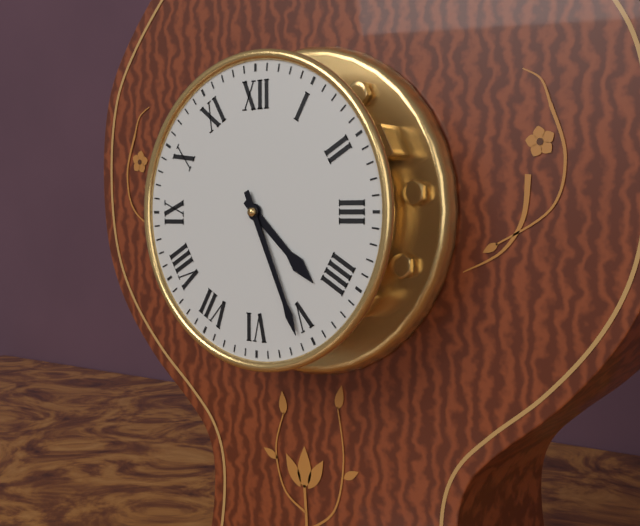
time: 4:26
